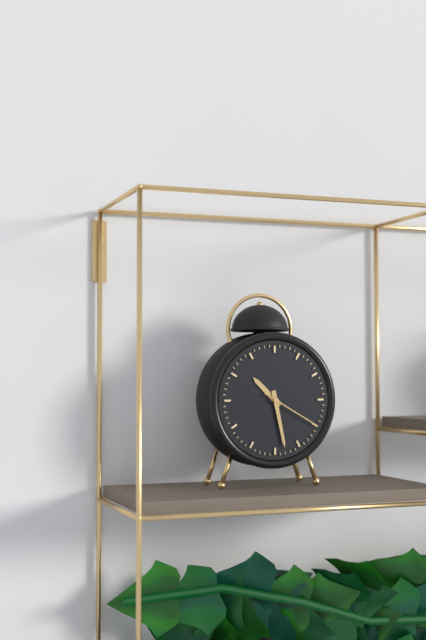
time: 10:28:20
